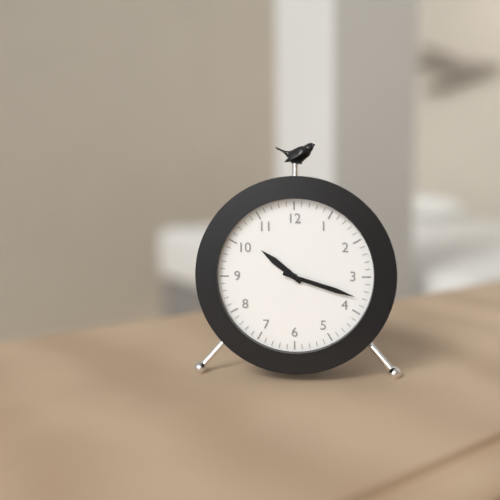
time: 10:18
